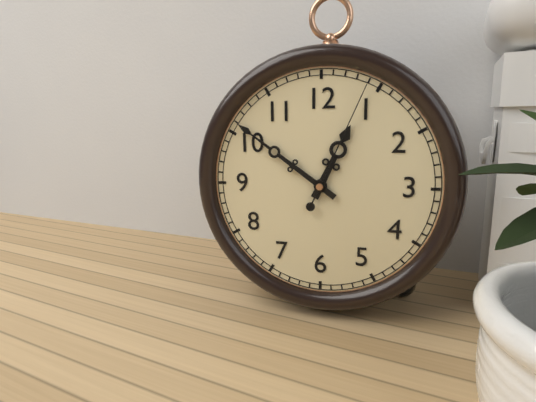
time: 12:51:04
